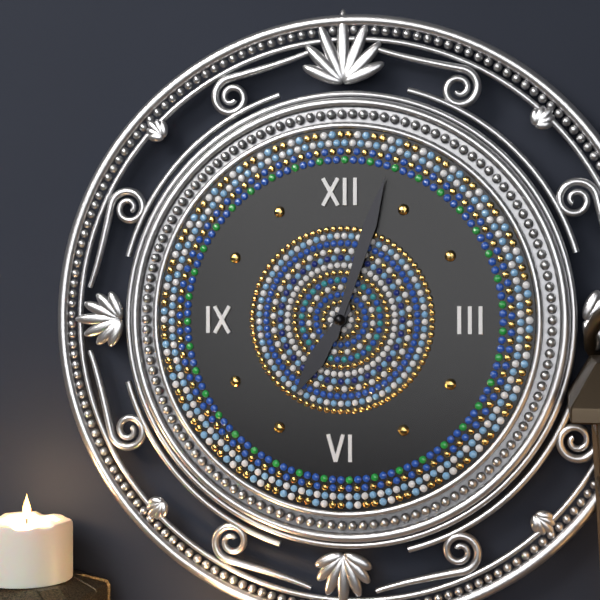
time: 7:03
